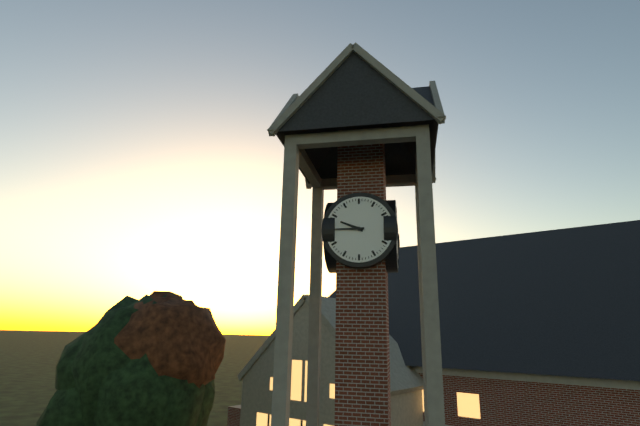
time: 9:45
